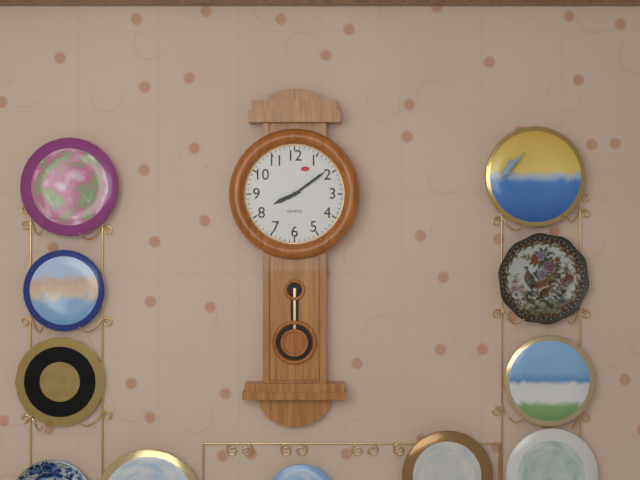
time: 8:09
